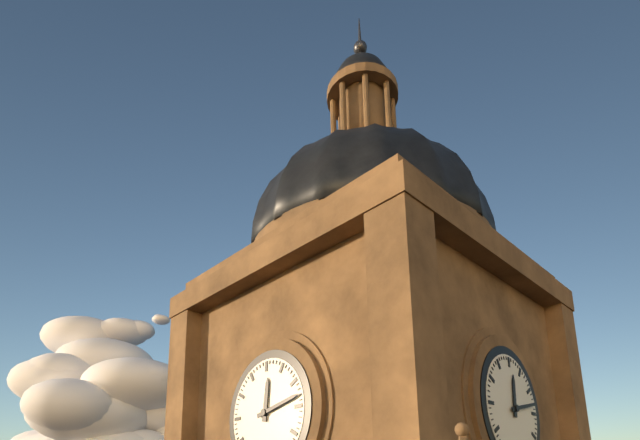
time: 12:13
